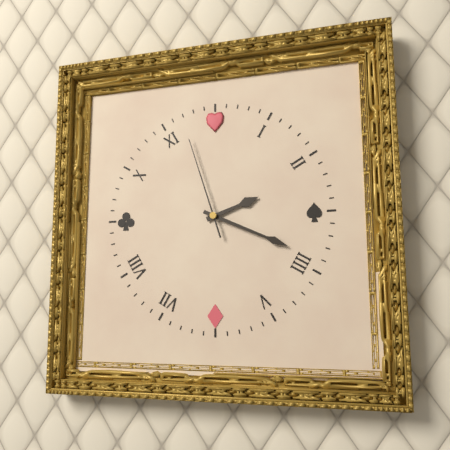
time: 2:19:57
